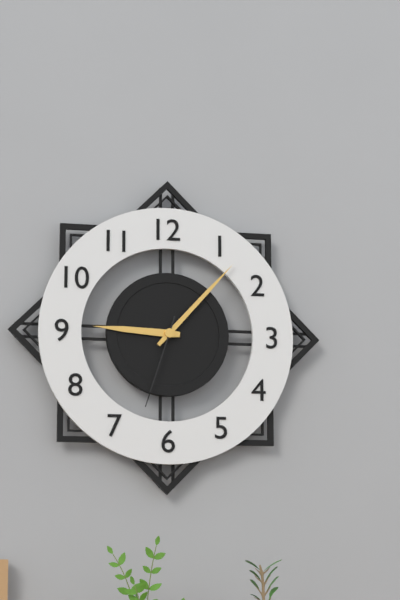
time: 9:07:33
